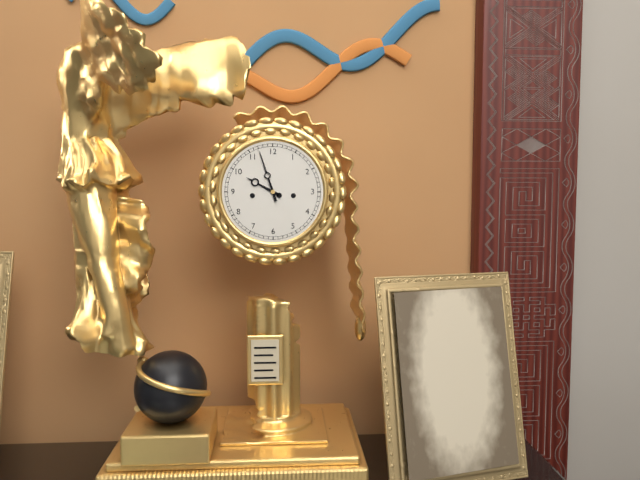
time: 9:57
